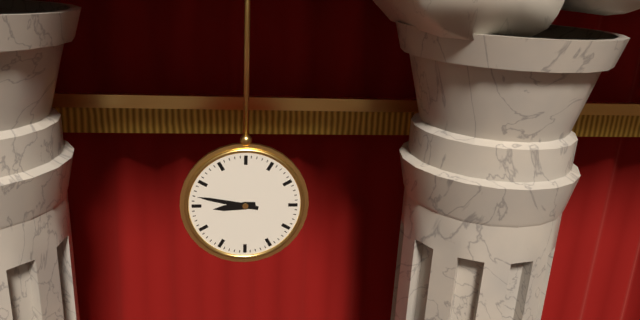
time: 8:47
